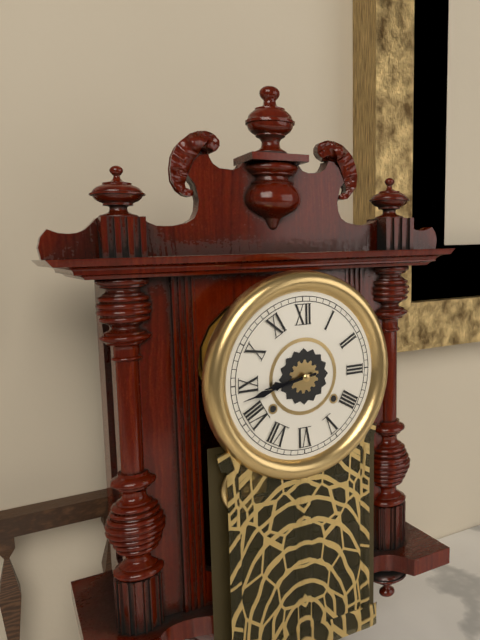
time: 8:43
